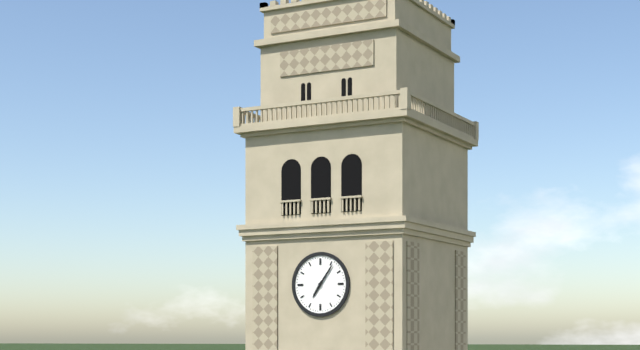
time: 7:06
